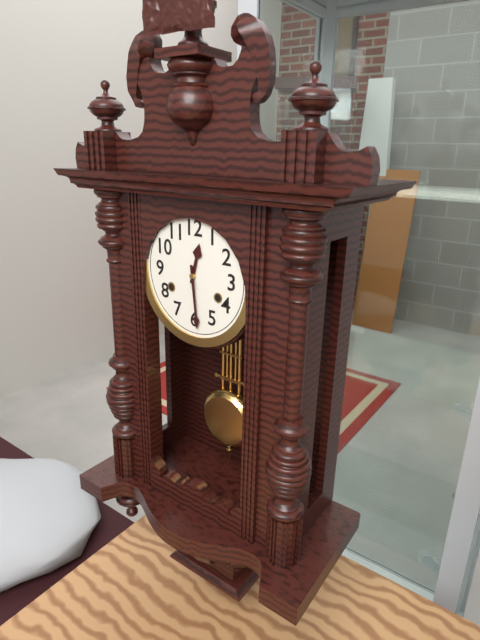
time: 12:29
